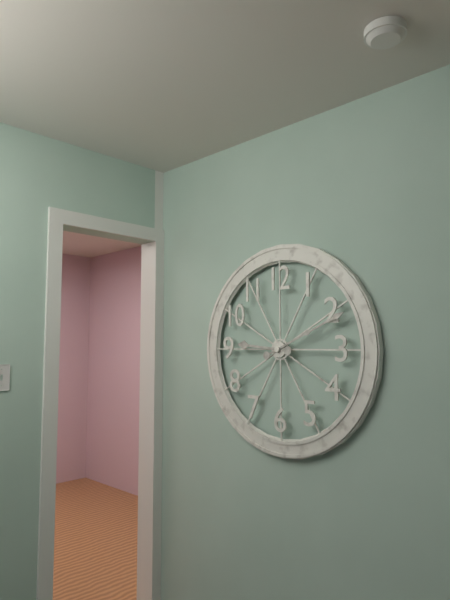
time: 9:11
